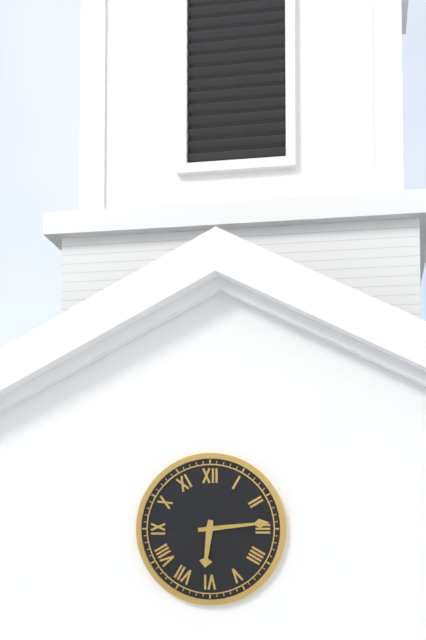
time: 6:14
